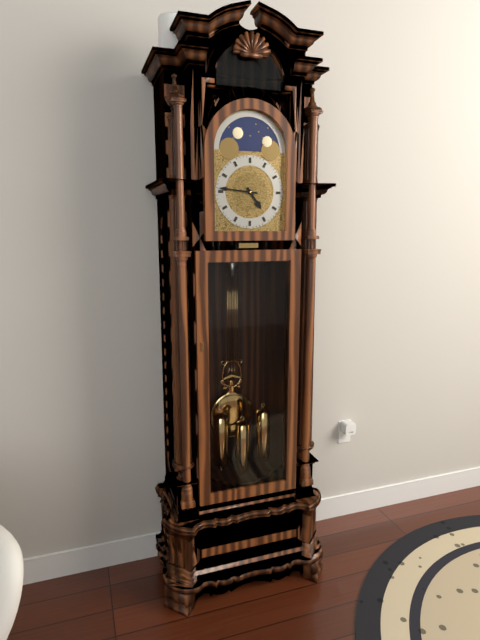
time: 4:46
